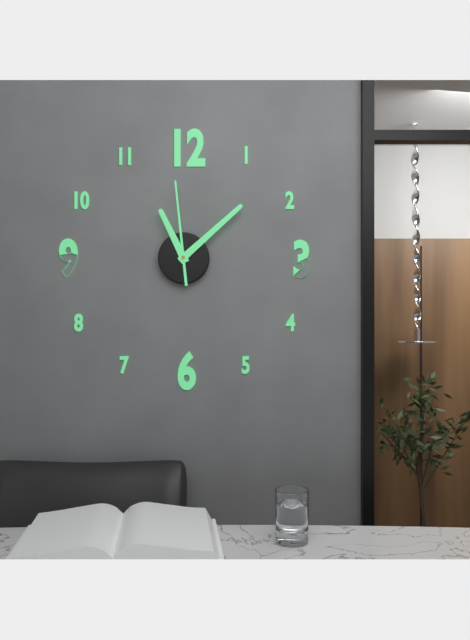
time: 11:08:59
